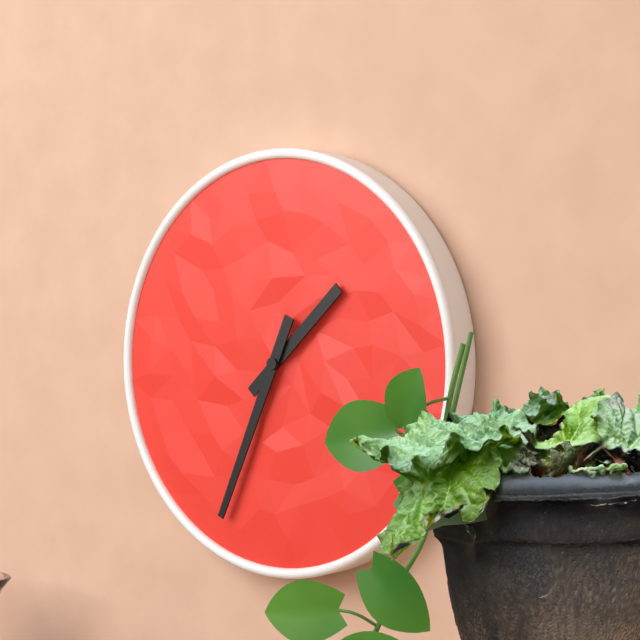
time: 1:34
